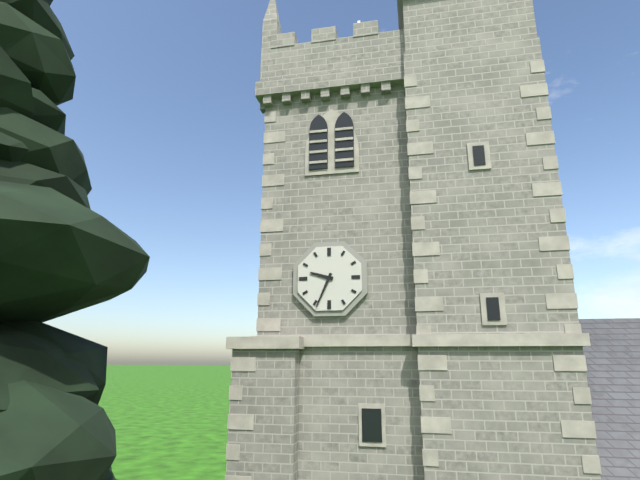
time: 9:34
